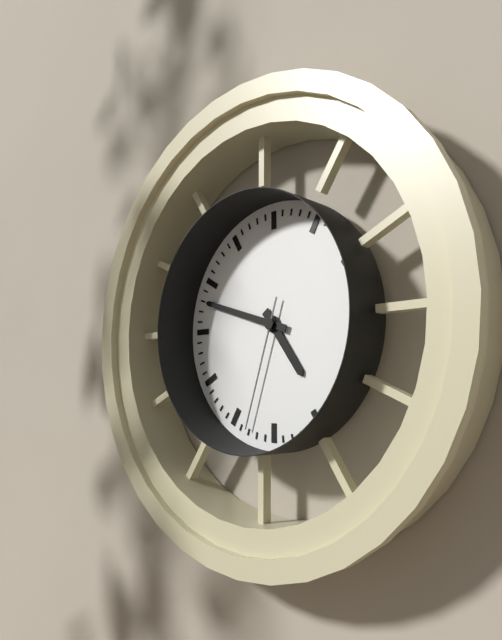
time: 4:48:33
